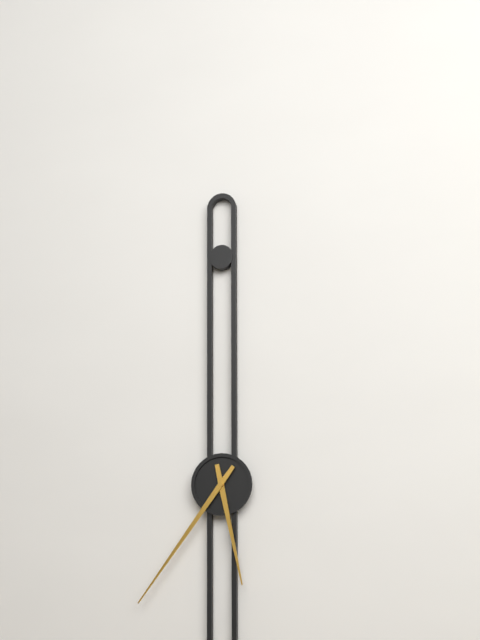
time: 5:36
